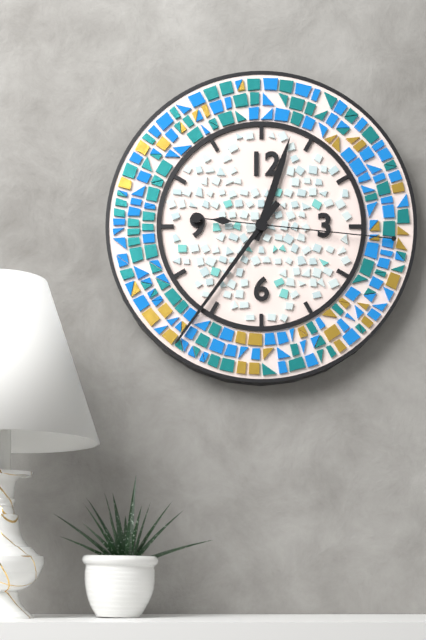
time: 12:36:16
